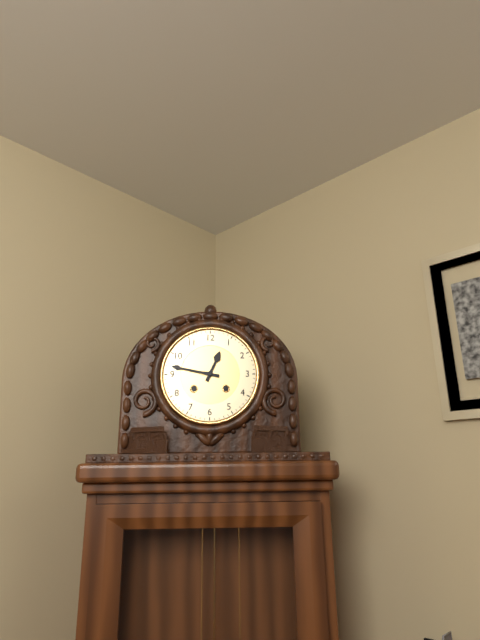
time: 12:47
